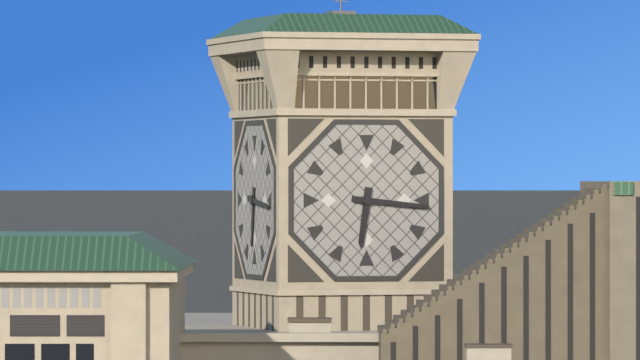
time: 6:16
